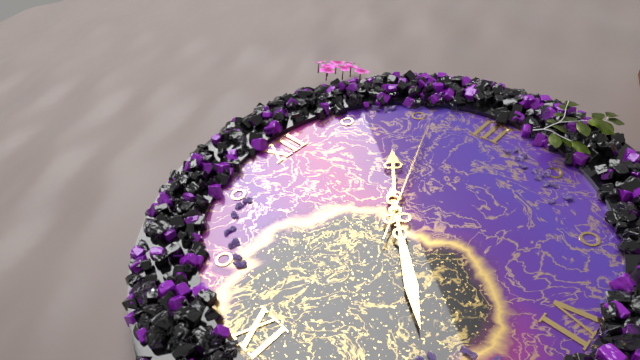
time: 1:37:11
